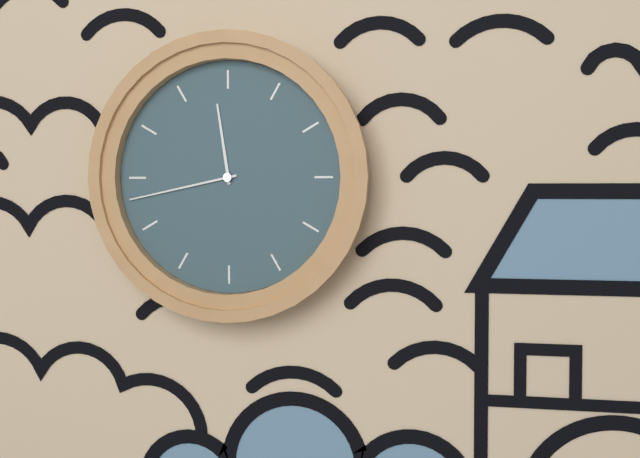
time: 11:43
